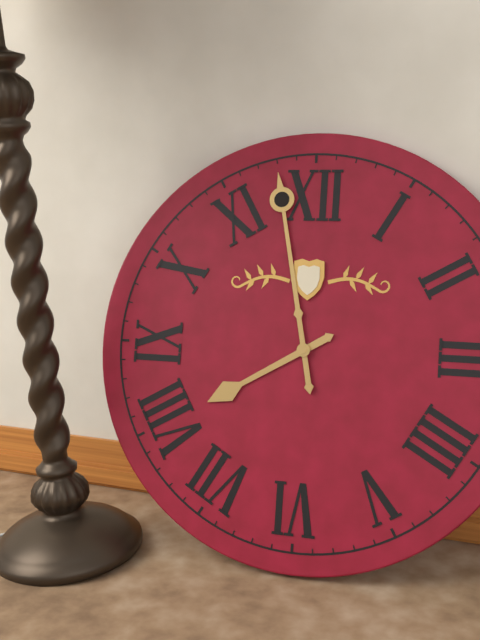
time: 7:58
